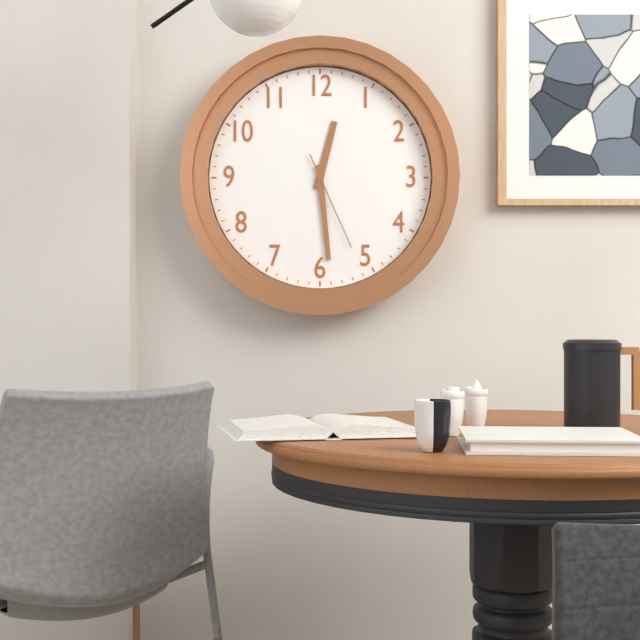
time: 12:29:26
